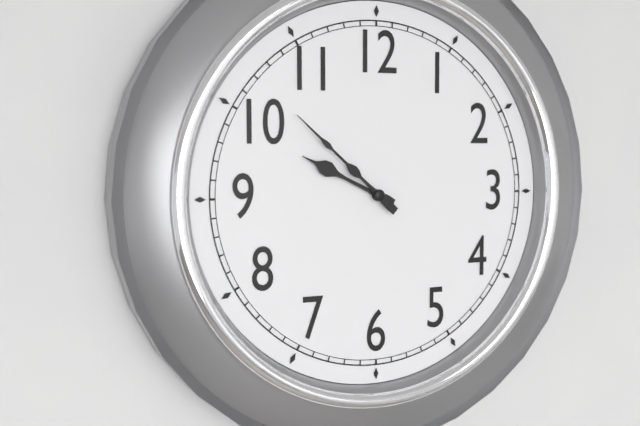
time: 9:52
